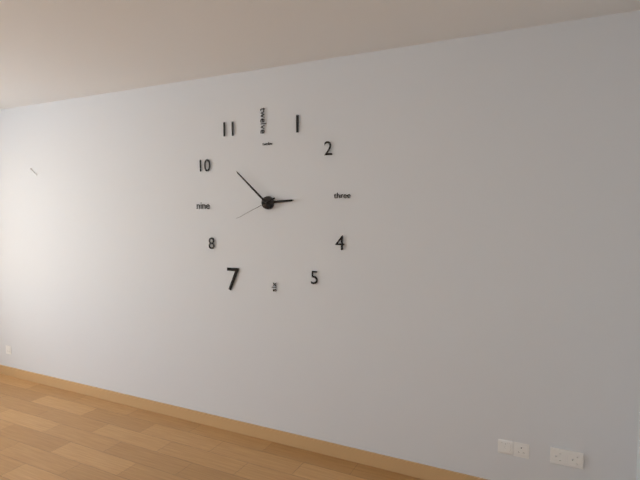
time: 2:52
